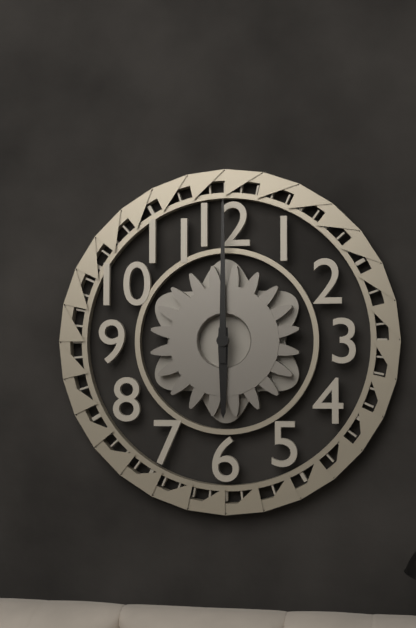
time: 6:00
